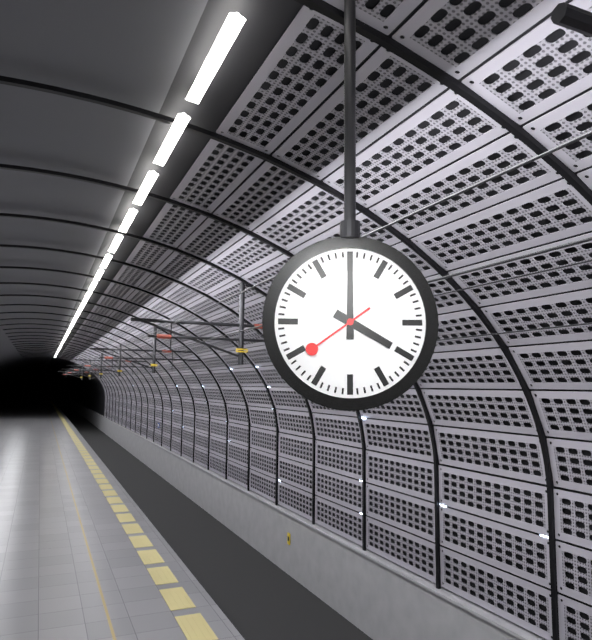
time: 4:00:39
